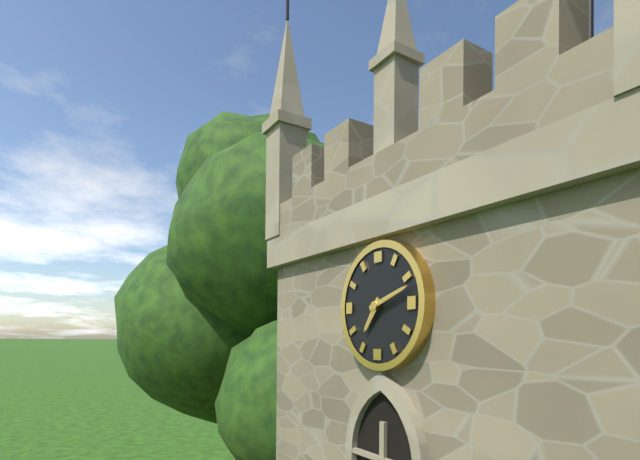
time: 7:12
